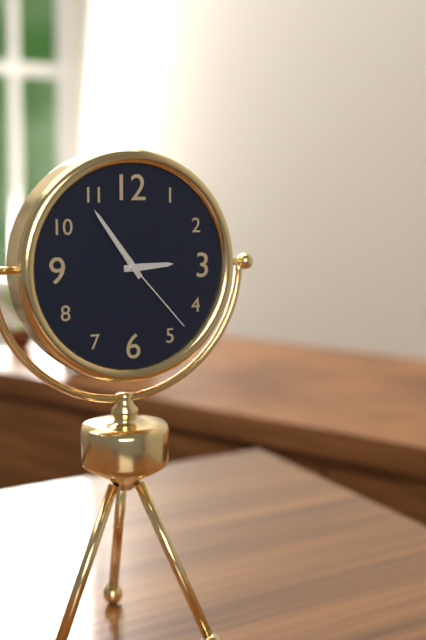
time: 2:54:23
